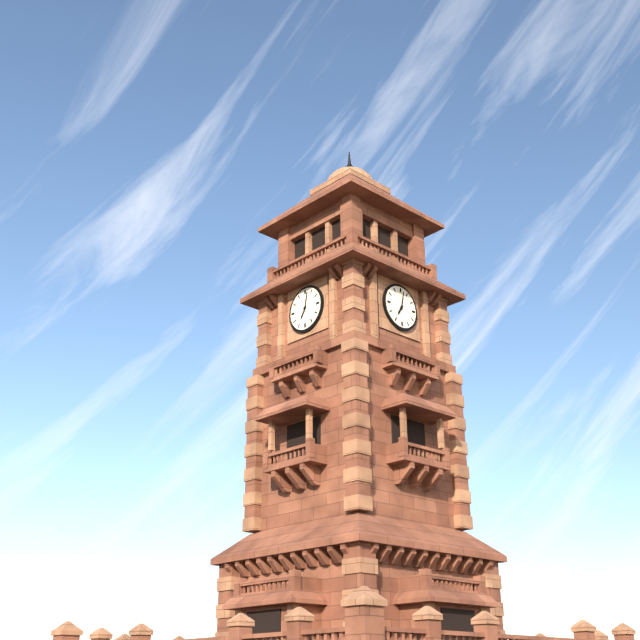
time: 7:02
